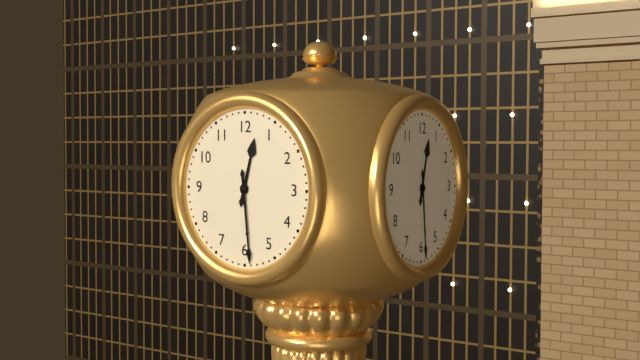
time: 12:29
